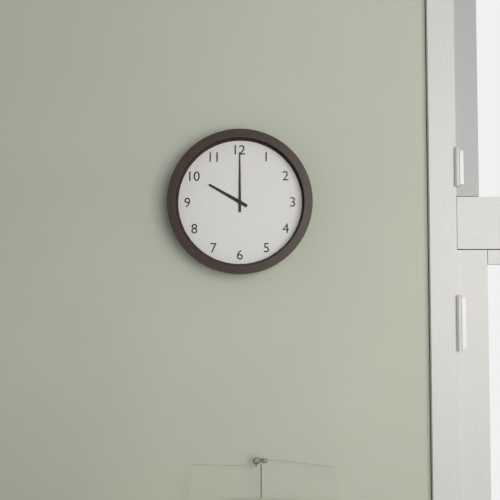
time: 10:00
